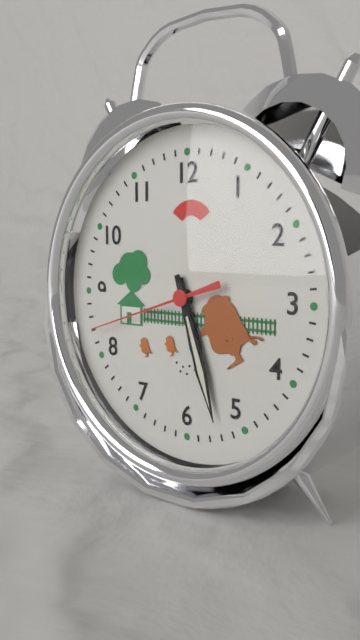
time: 5:27:42
